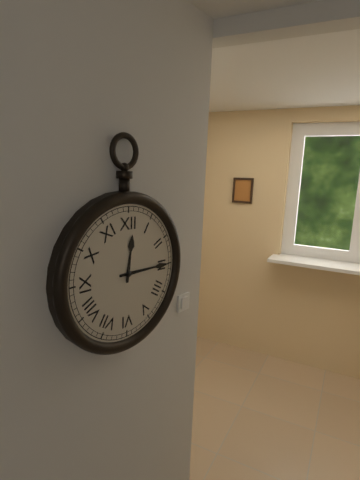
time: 12:15
